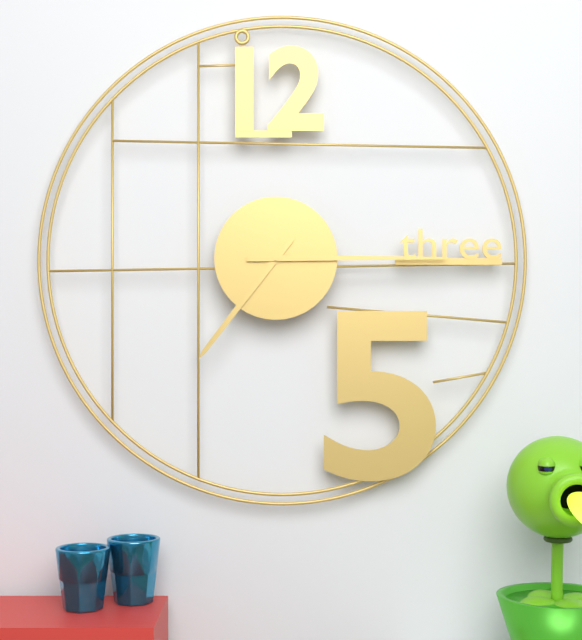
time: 7:15
